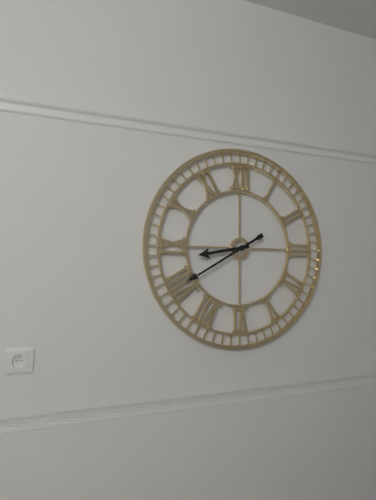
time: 8:40
